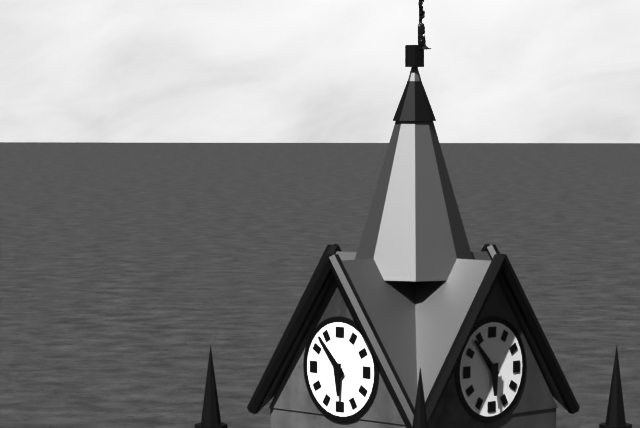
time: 5:53
